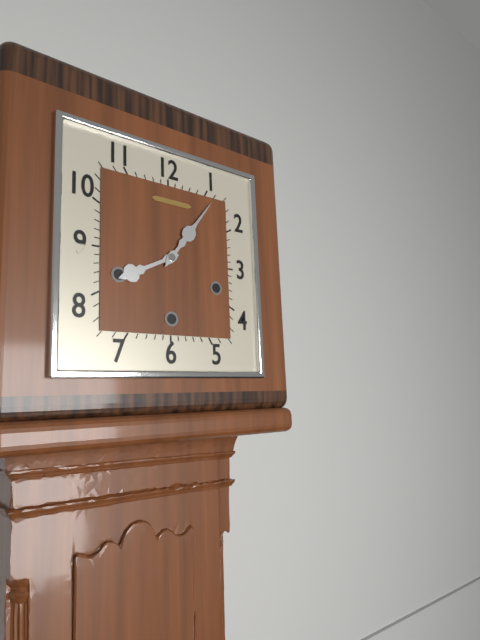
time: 8:06
